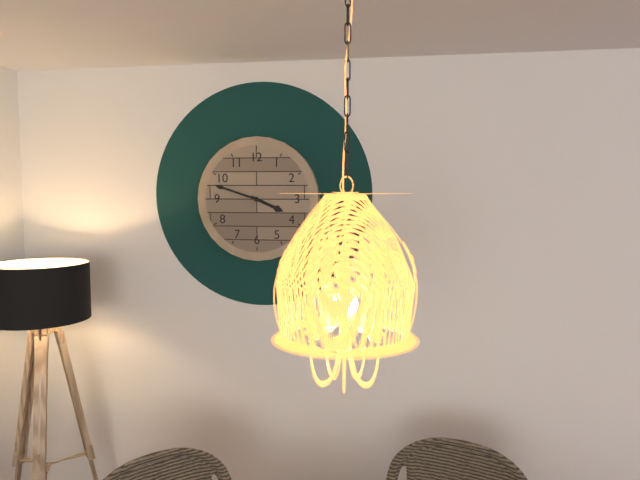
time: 3:48
